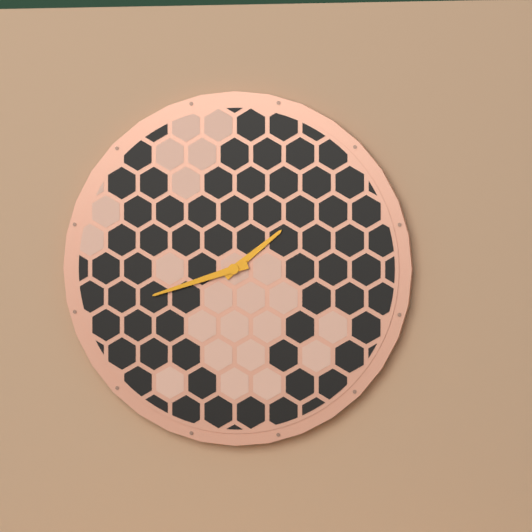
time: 1:42
